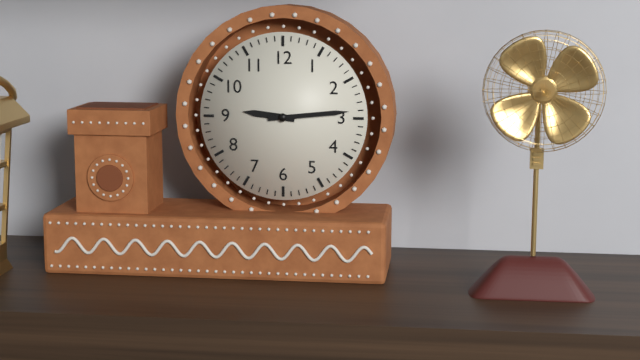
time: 9:14
